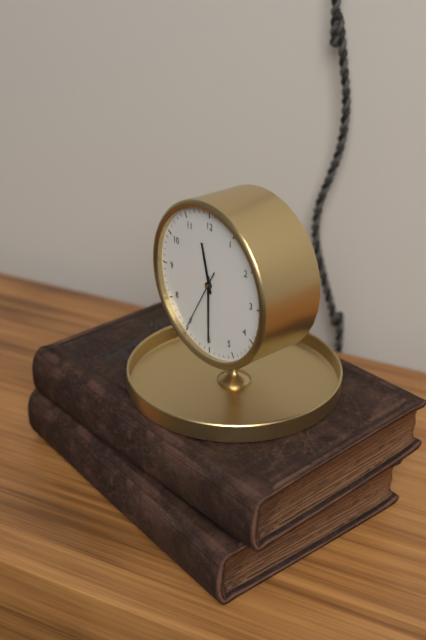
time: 11:30:35
